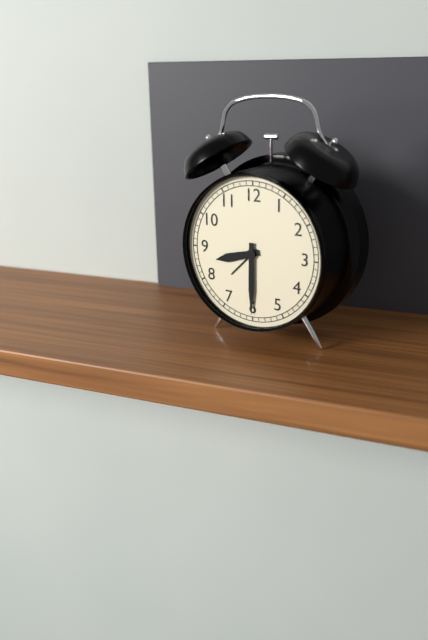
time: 8:30
